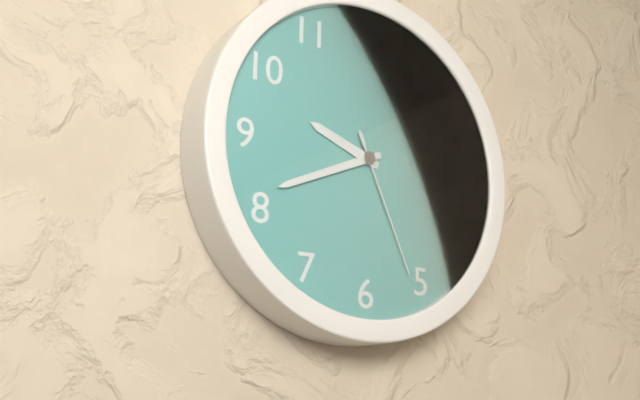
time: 9:41:26
